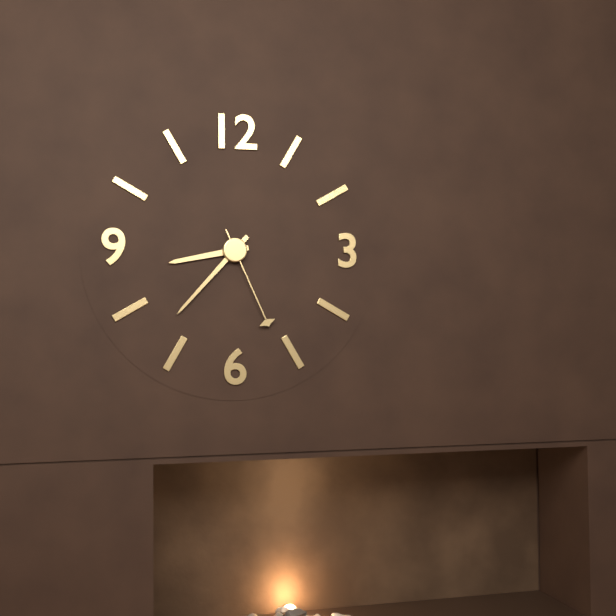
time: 8:37:26
